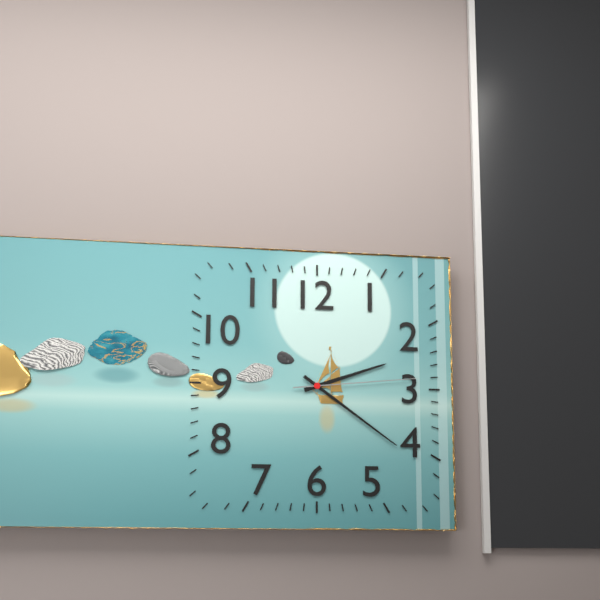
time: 2:21:14
